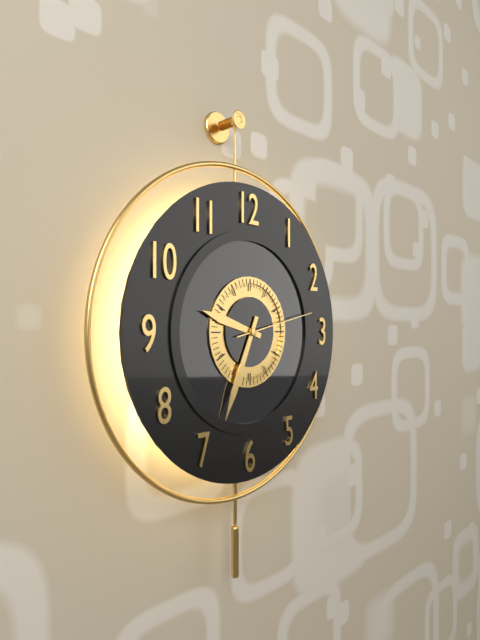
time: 9:34:13
